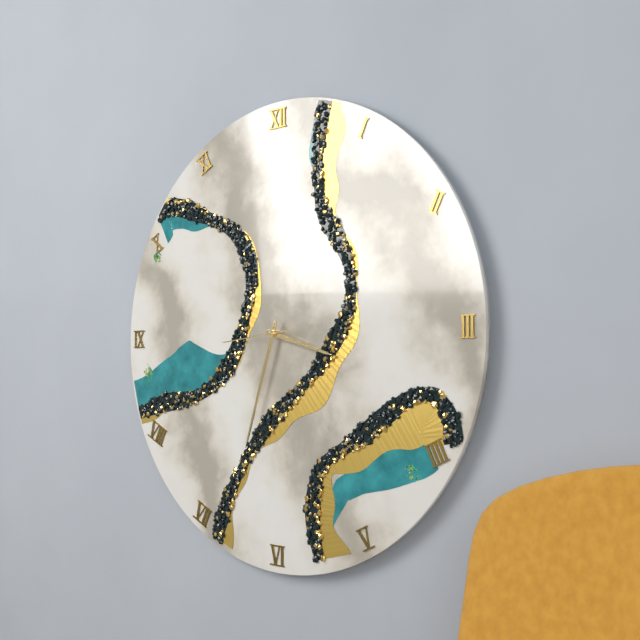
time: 3:33:44
